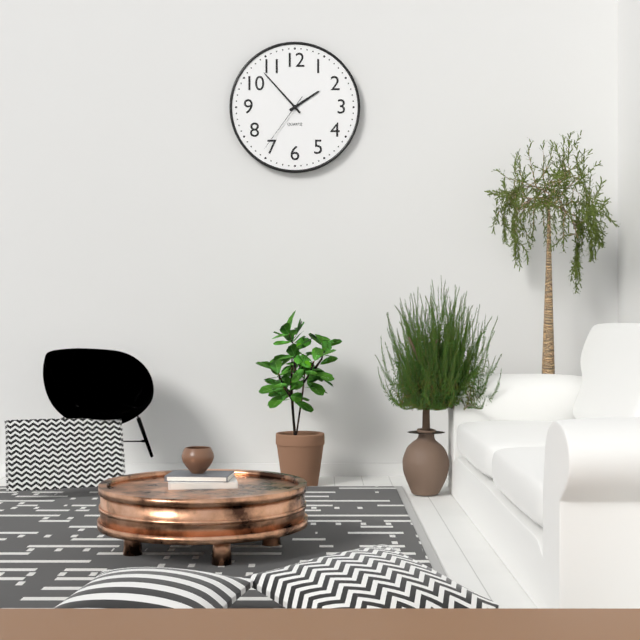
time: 1:53:36
